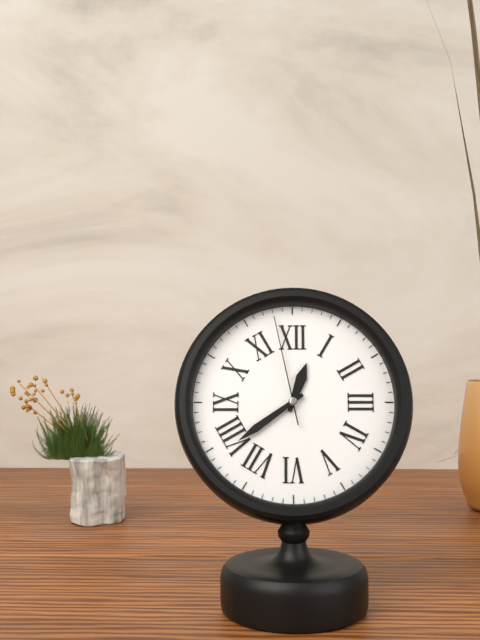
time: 12:39:58
